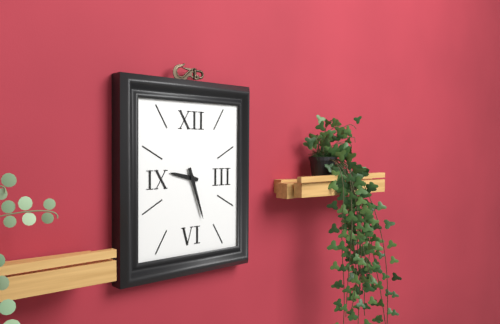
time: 9:27
